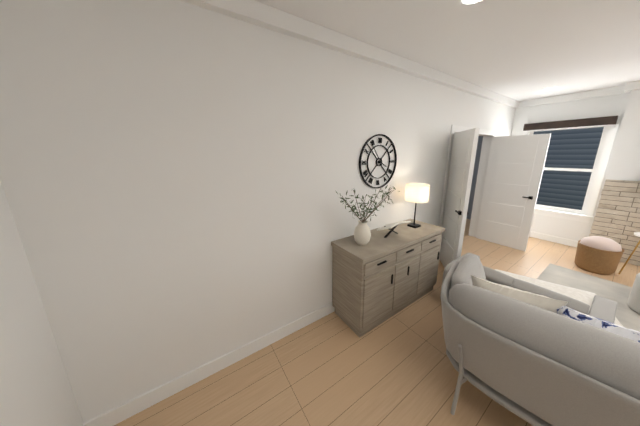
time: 3:54
